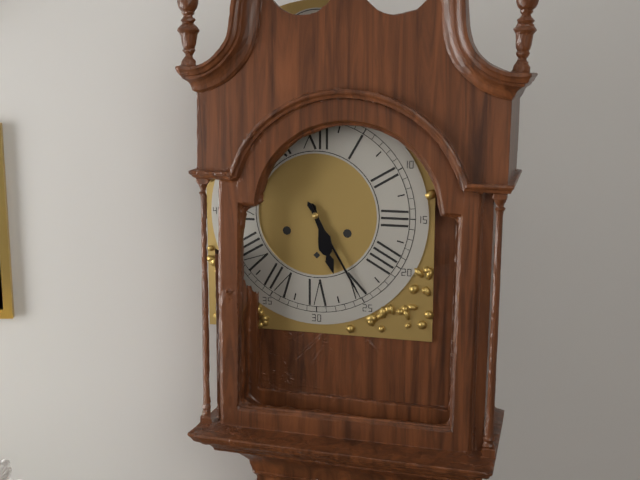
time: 5:25
